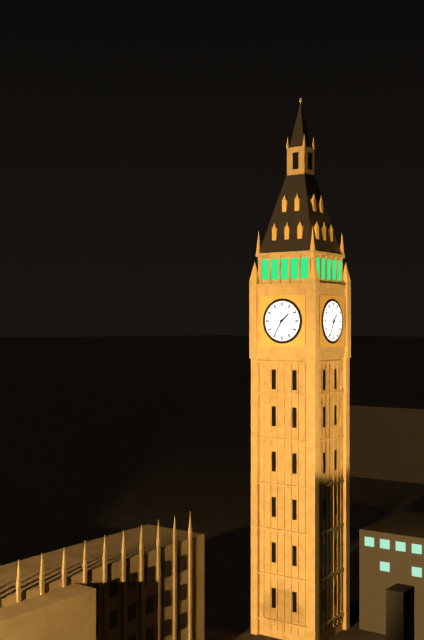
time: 1:35
